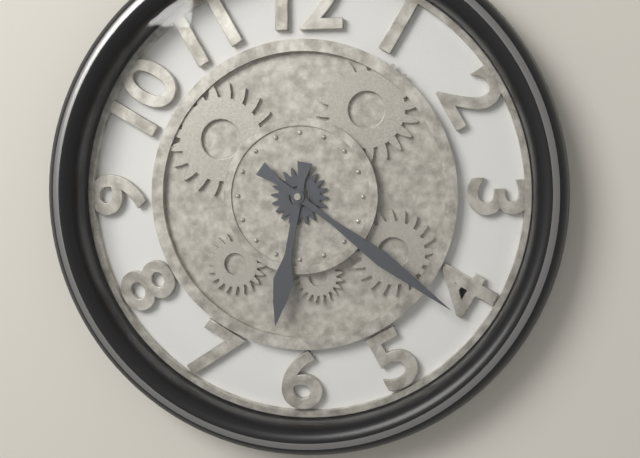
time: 6:21
